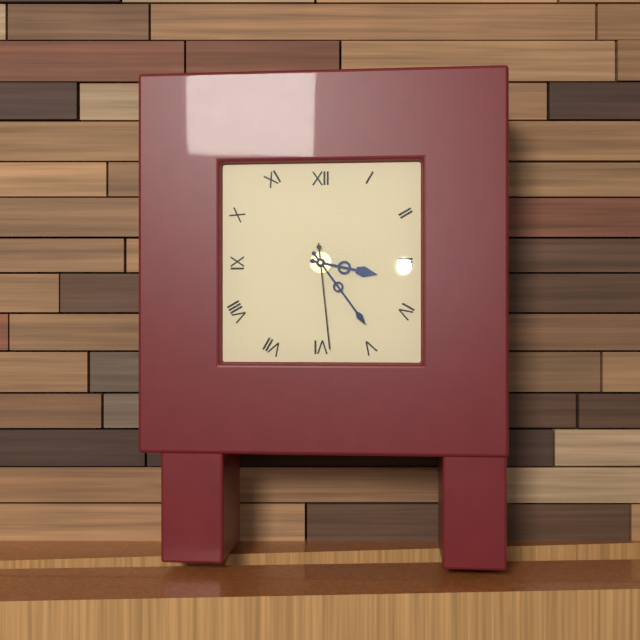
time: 3:24:29
